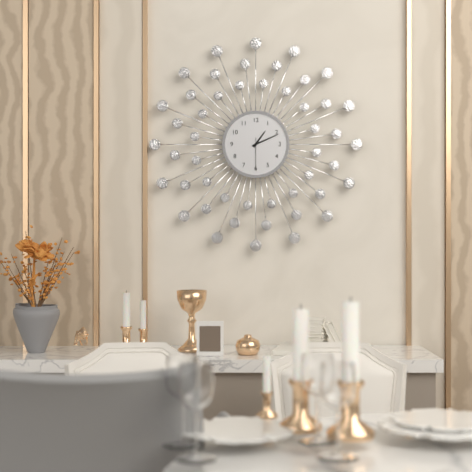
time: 1:11
